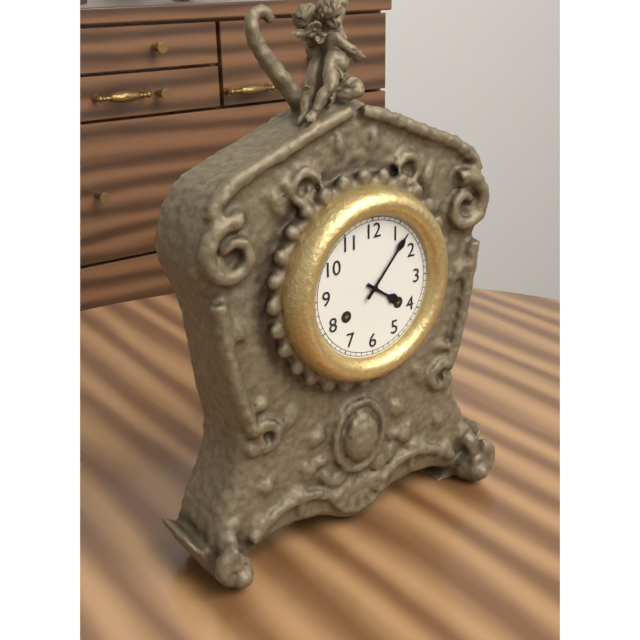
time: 4:07
